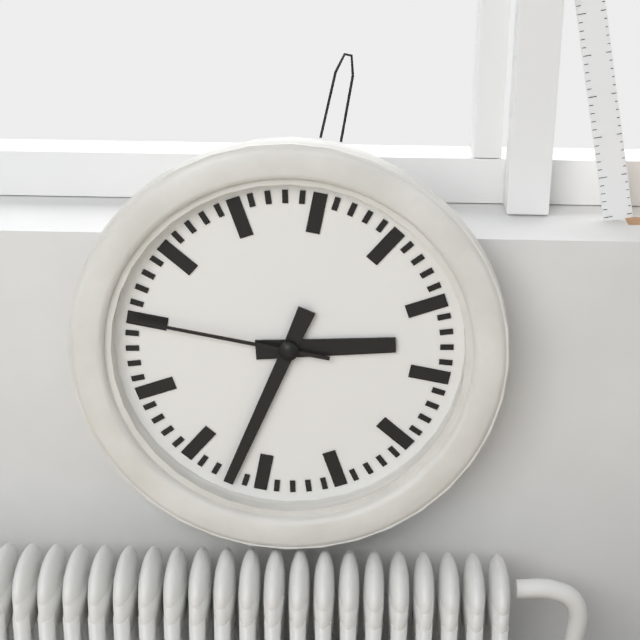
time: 2:32:45
